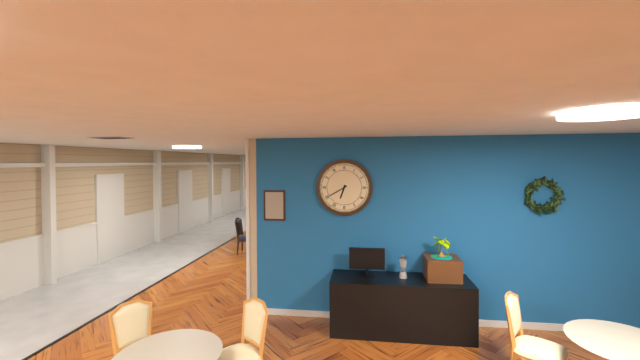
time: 6:40
